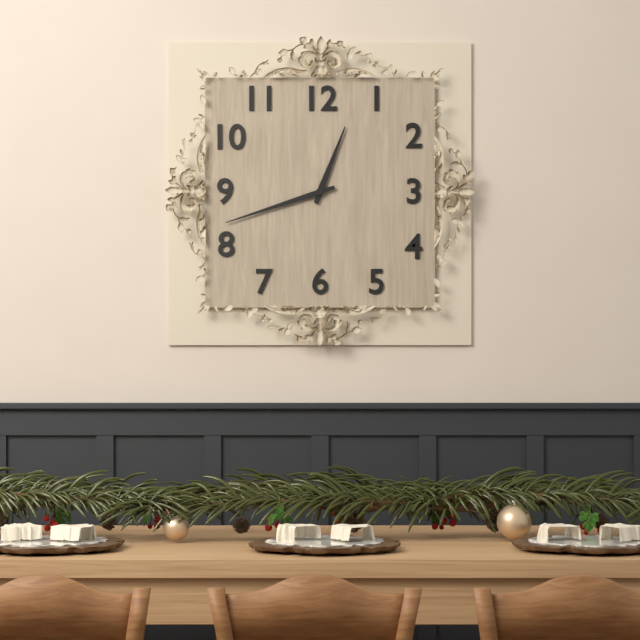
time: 12:42
